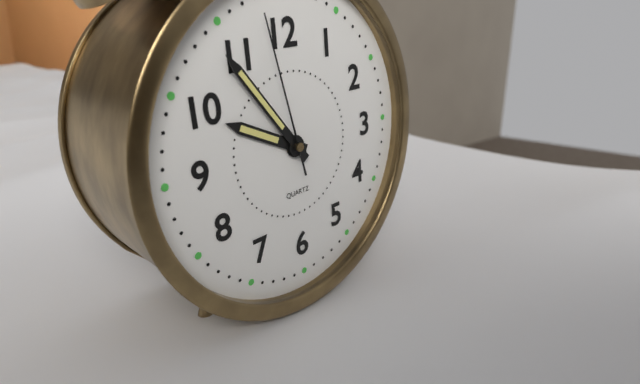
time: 9:54:58
